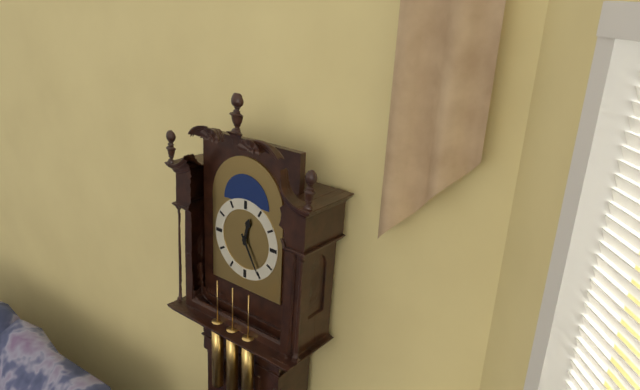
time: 12:25
